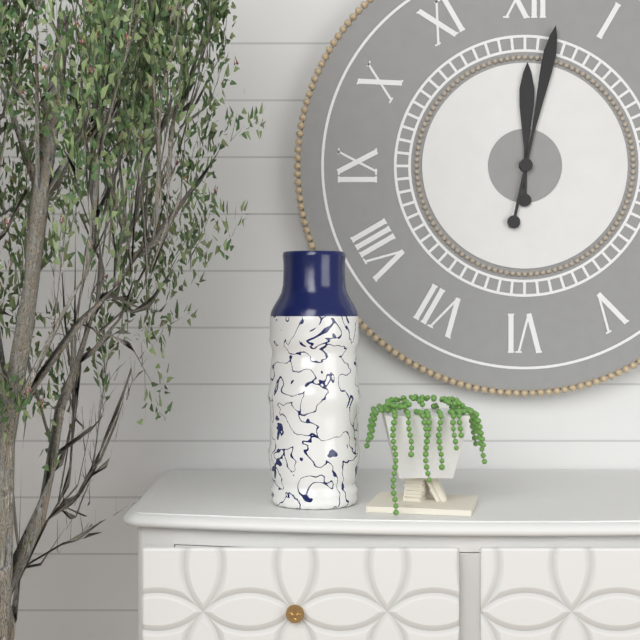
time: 12:02
